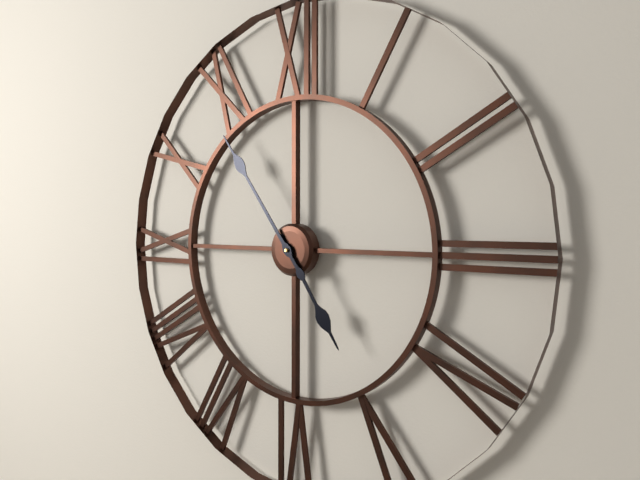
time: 4:54
